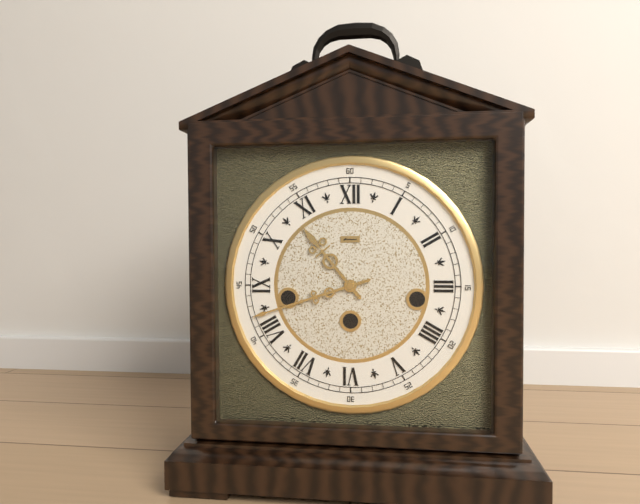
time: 10:42
